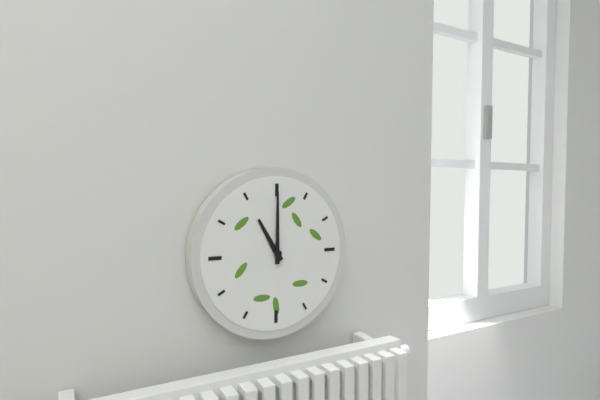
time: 11:00
